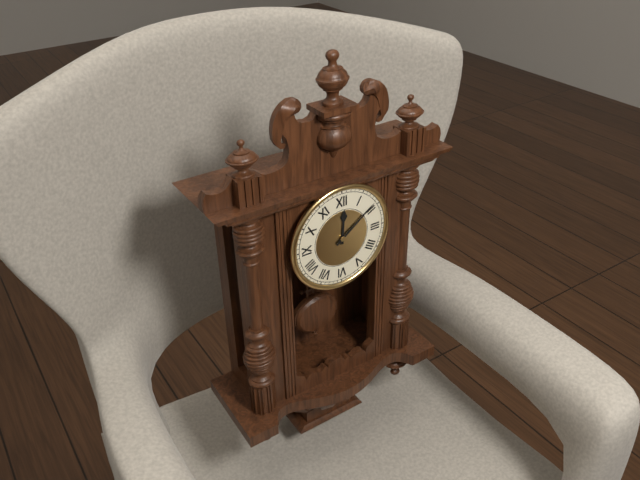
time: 12:09
